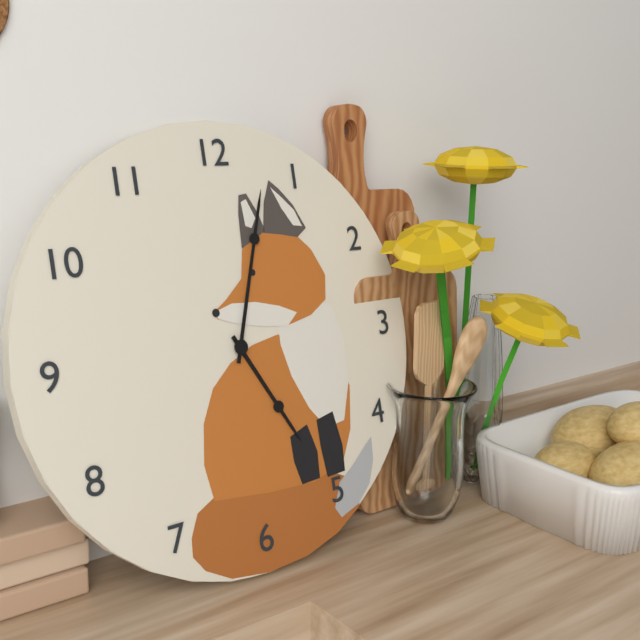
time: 5:03
